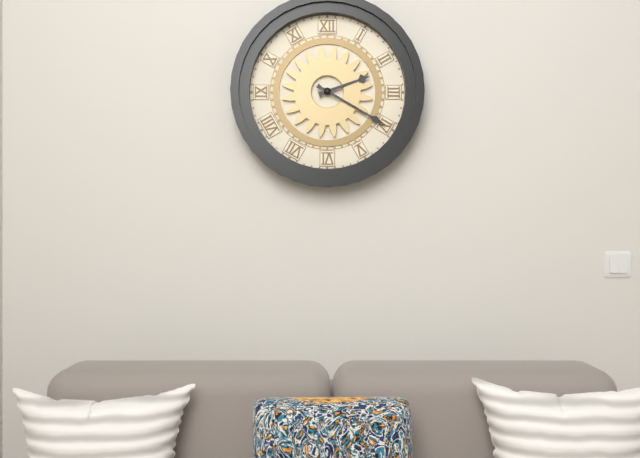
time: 2:20
